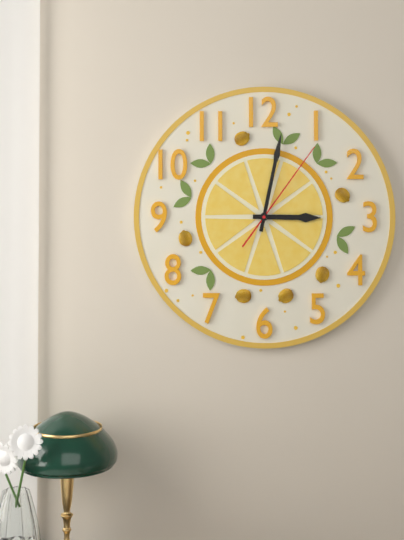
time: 3:02:06
